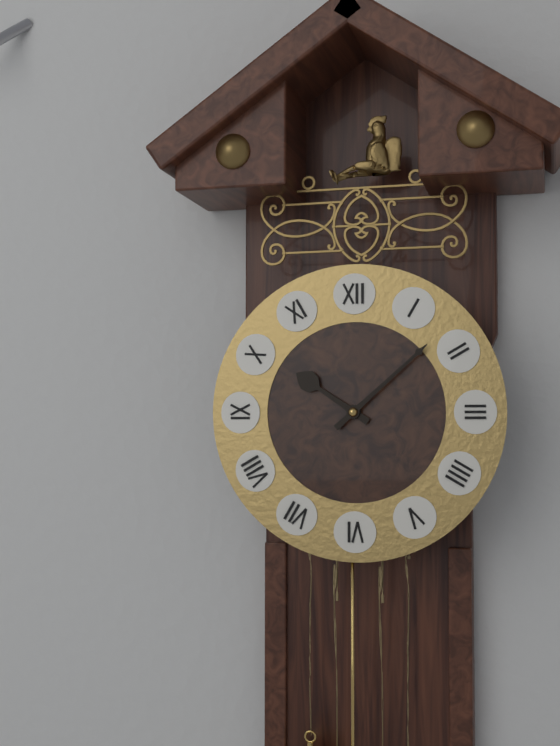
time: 10:08
